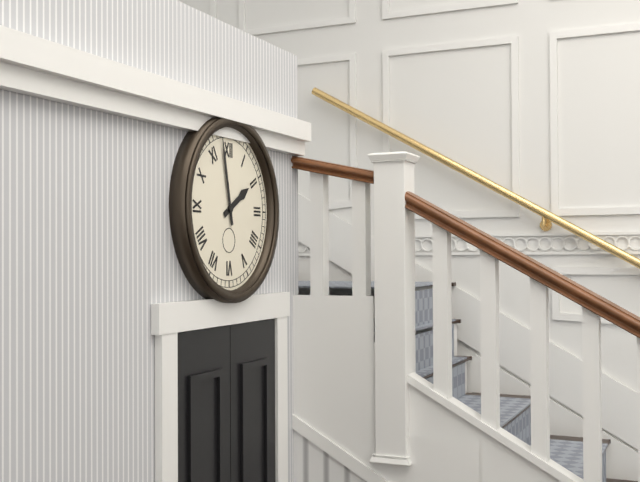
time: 1:58
